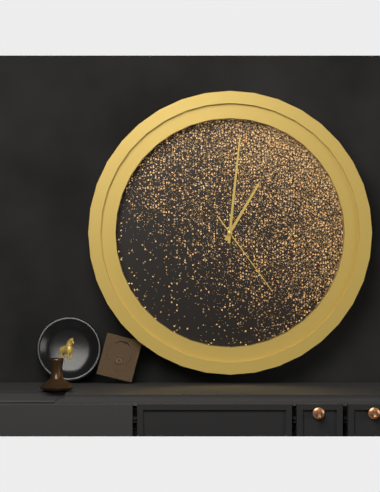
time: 1:01:24
